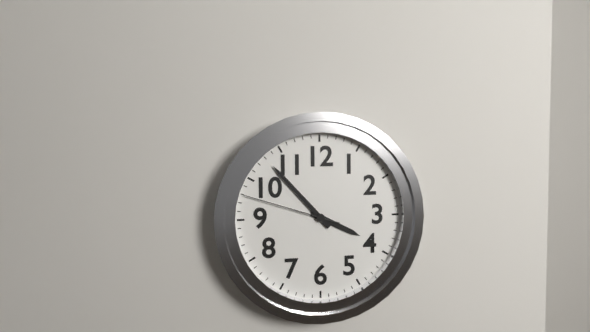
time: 3:53:48
